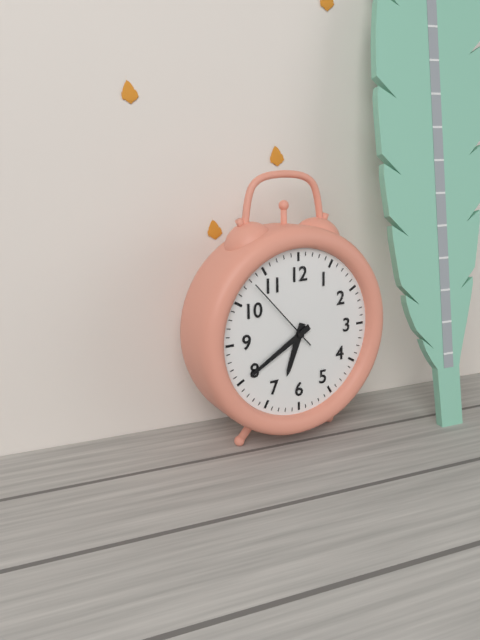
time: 6:40:53
